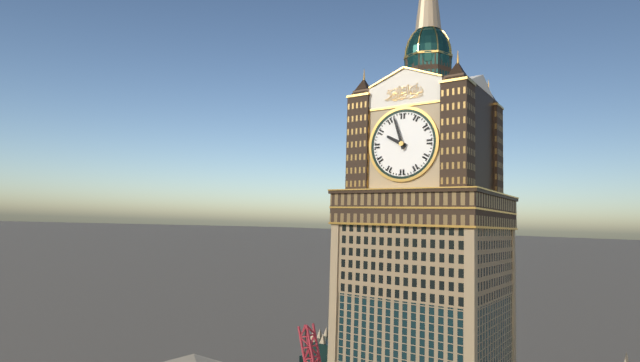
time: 9:57
